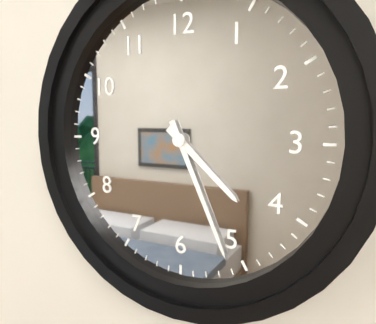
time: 4:26
